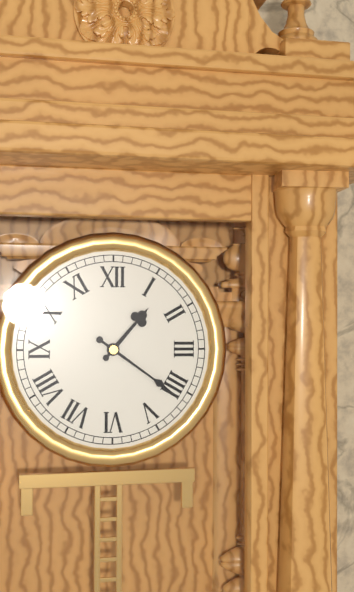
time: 1:21
